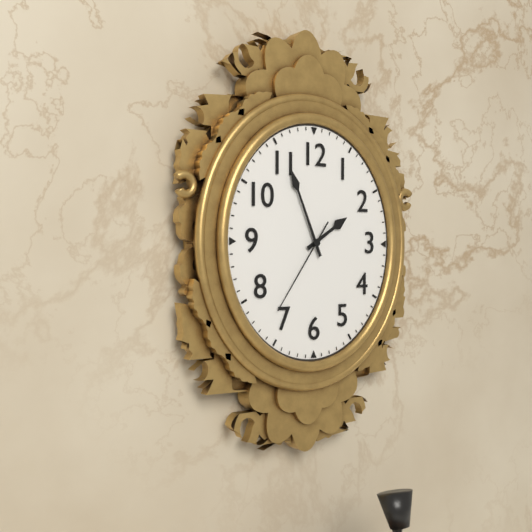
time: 1:56:36
